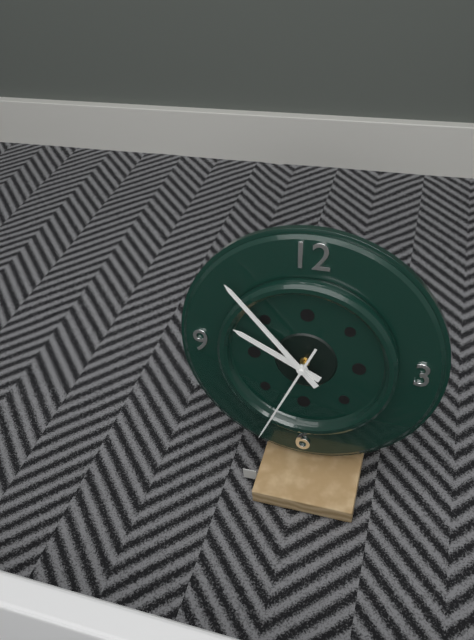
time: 9:53:34
